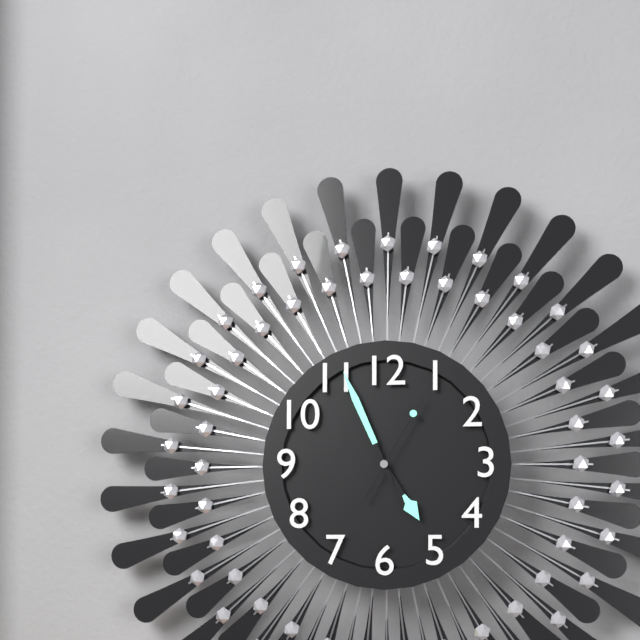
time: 4:56:05
